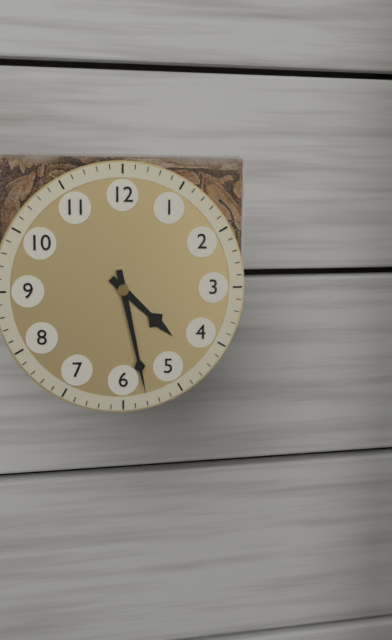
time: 4:28
